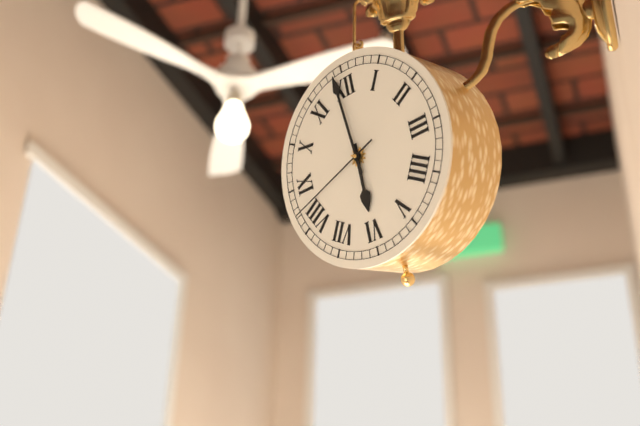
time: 5:59:42
